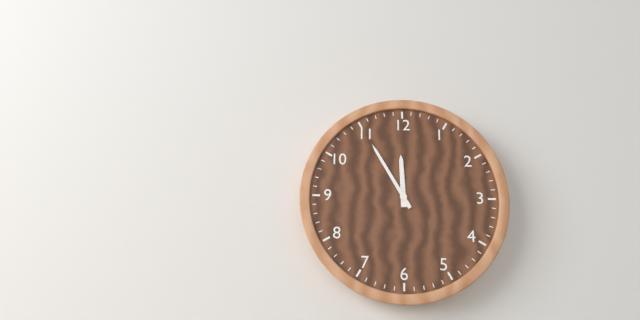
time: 11:55
